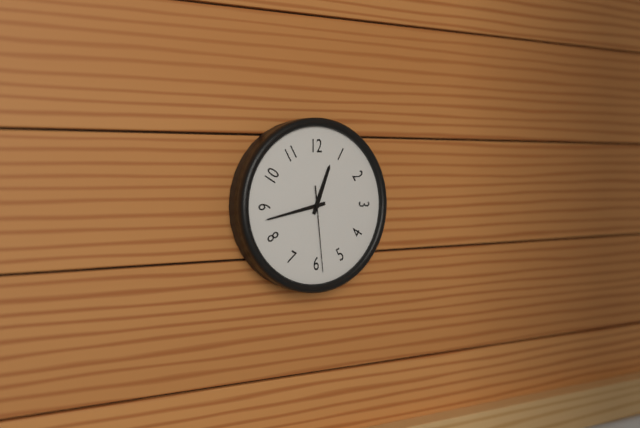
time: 12:43:29
